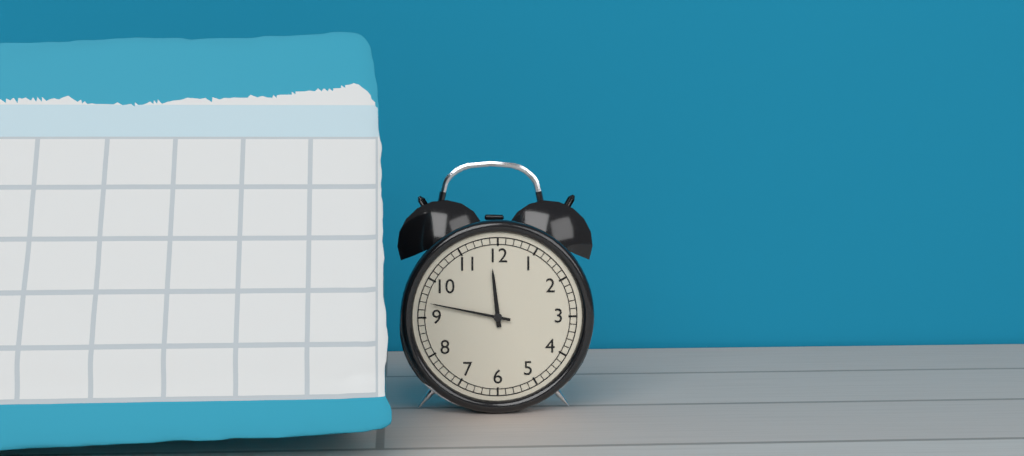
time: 11:47
